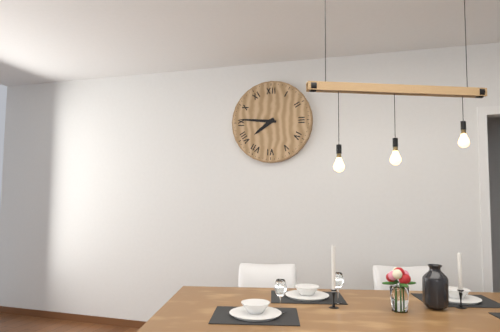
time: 7:46
